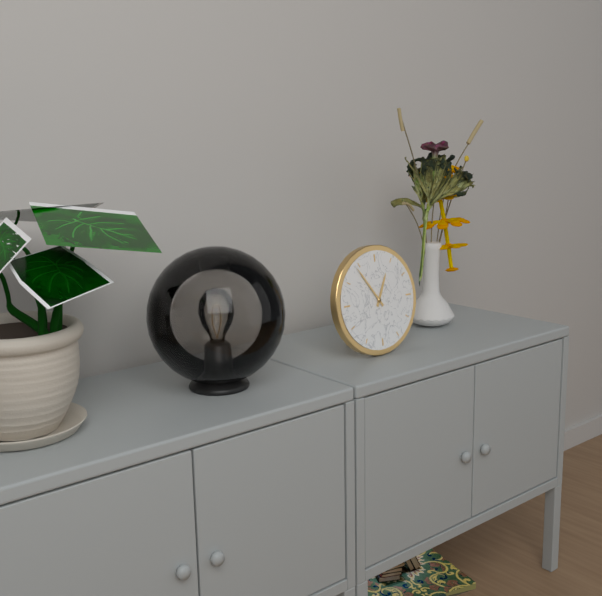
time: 12:54
